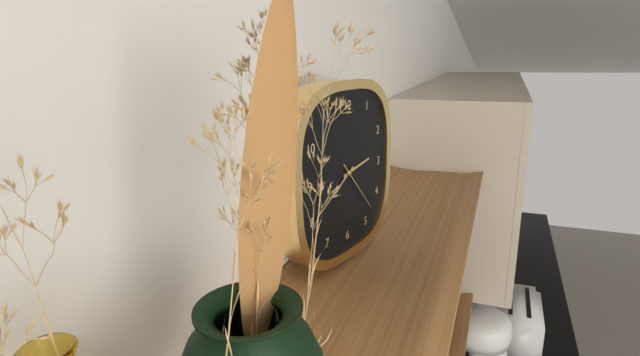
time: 2:40:23
